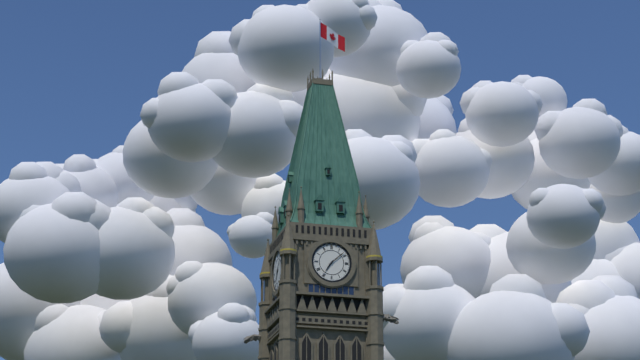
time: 7:08
